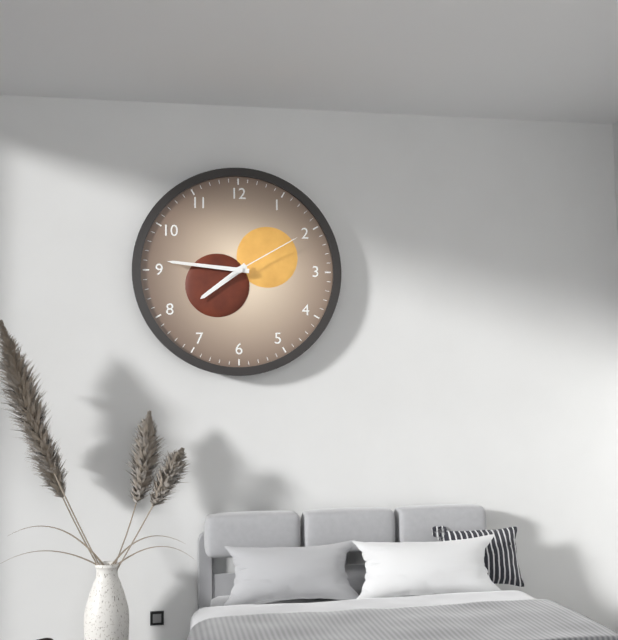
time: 7:46:10
